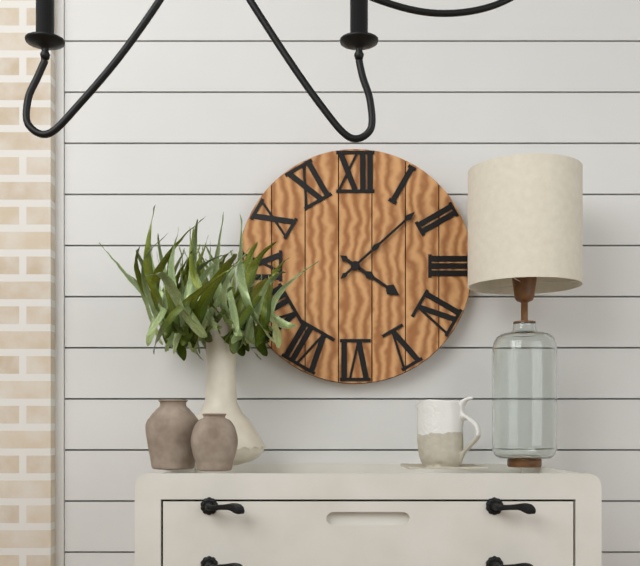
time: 4:08
